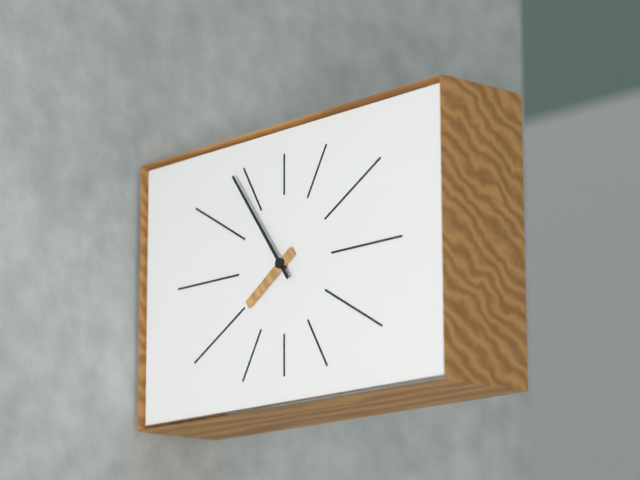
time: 7:54
